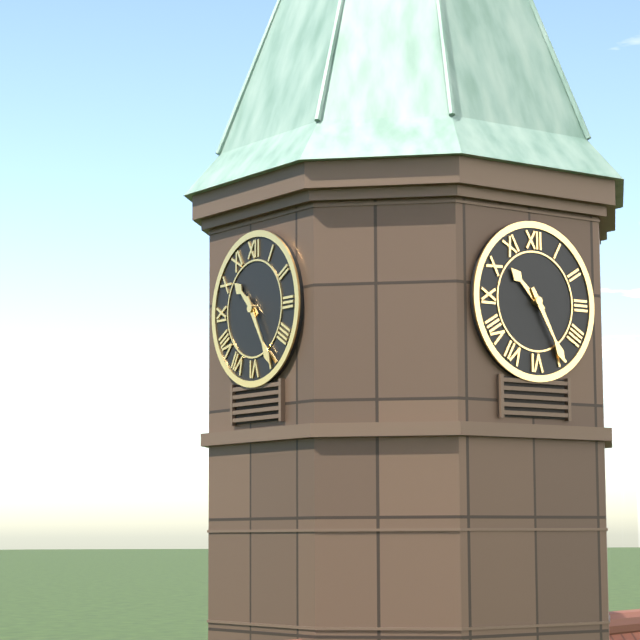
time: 10:25
